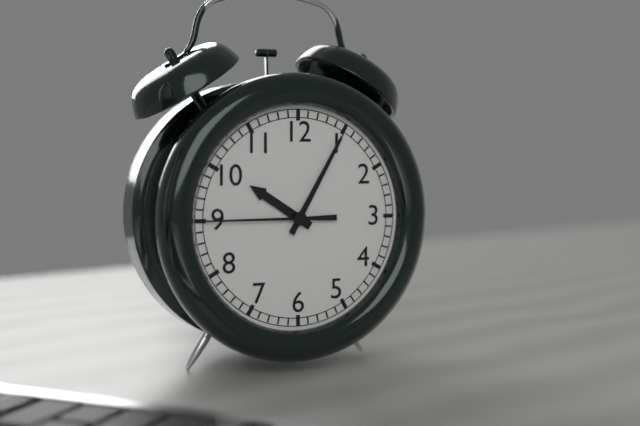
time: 10:05:45
